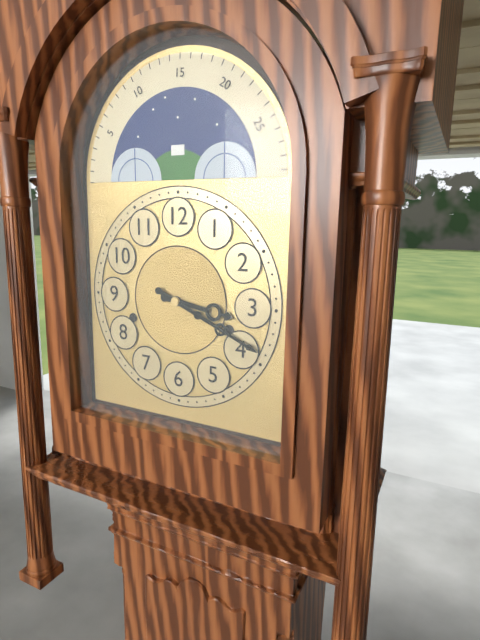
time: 3:19
